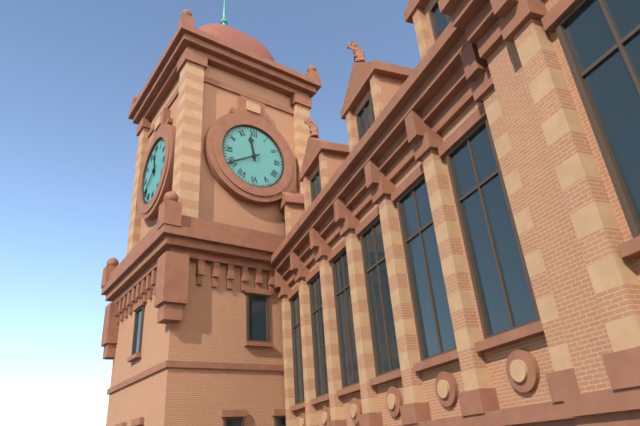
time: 11:40
